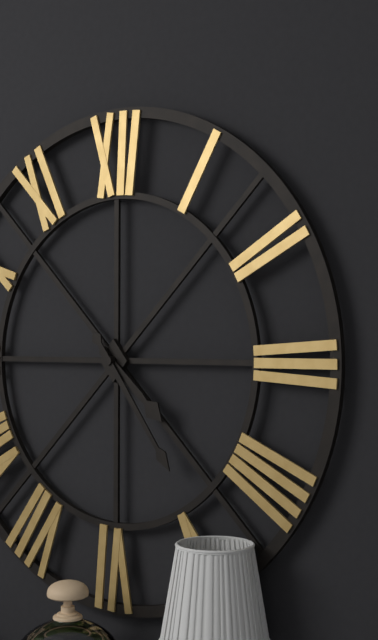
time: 4:24
